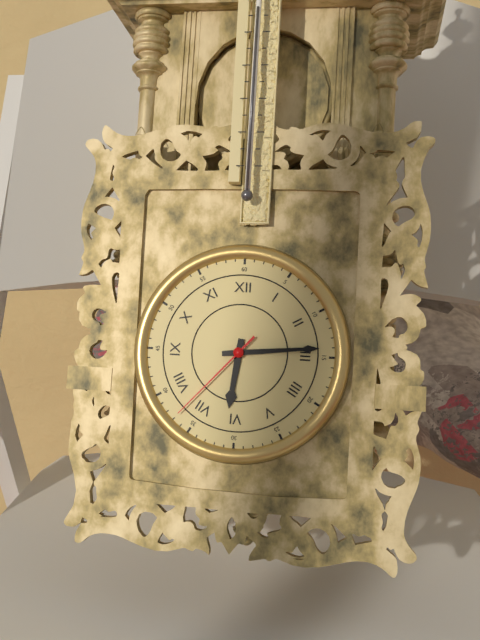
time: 6:14:37
